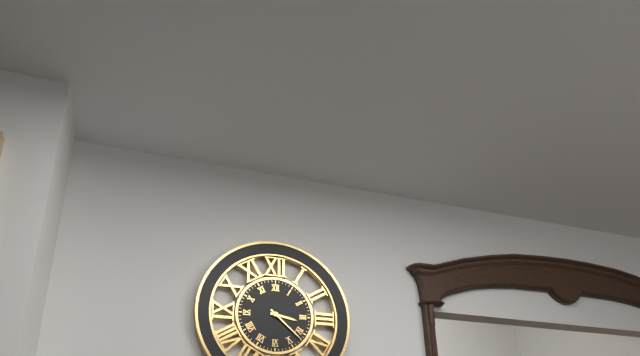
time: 3:22
